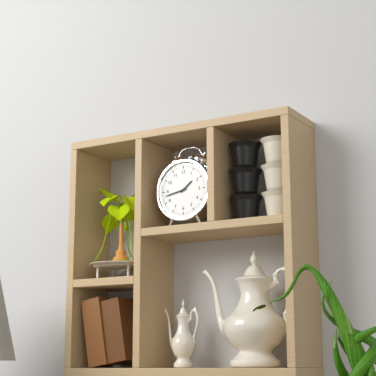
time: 1:43
